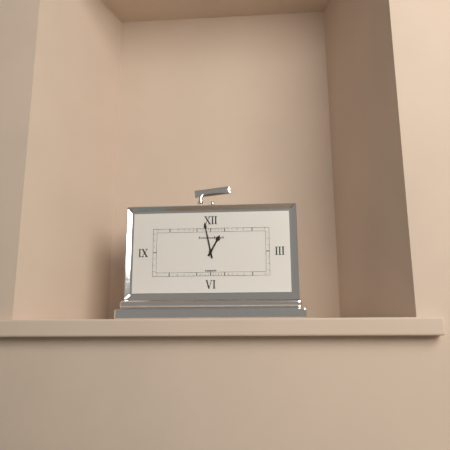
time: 12:58
